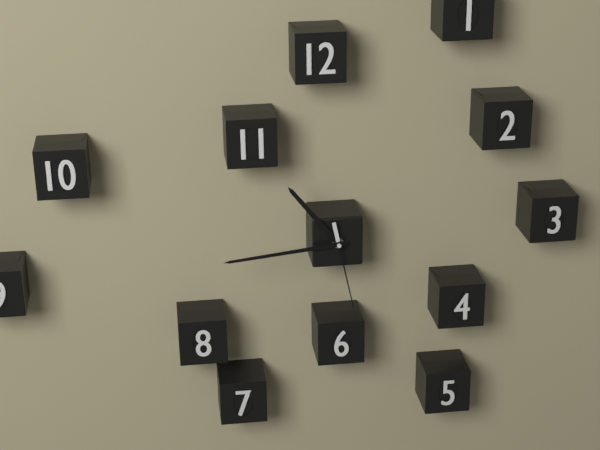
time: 10:44:28
